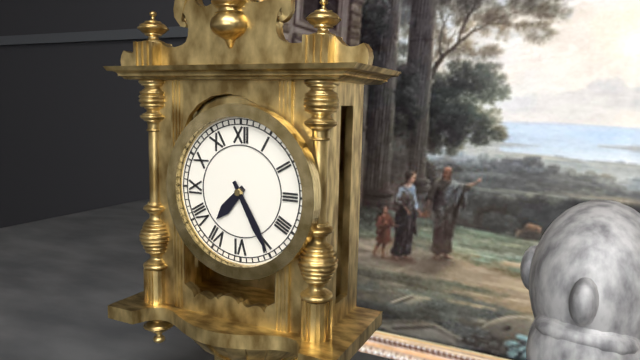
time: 7:25
